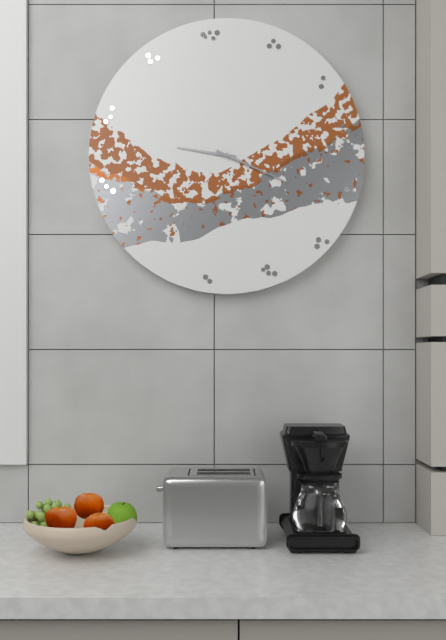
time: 9:19
